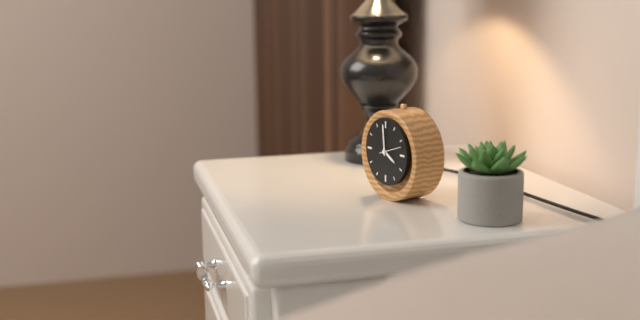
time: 3:59
